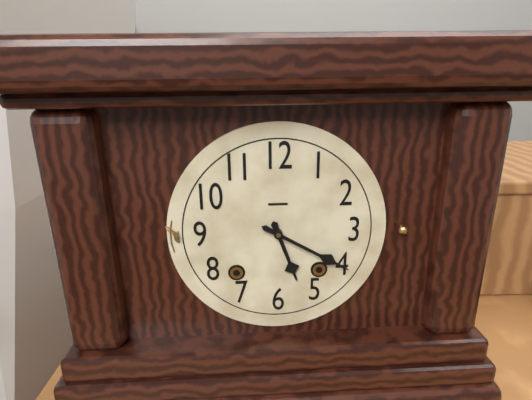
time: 5:20
